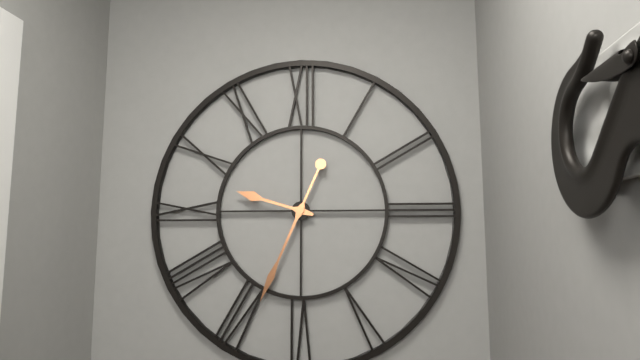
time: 9:34
